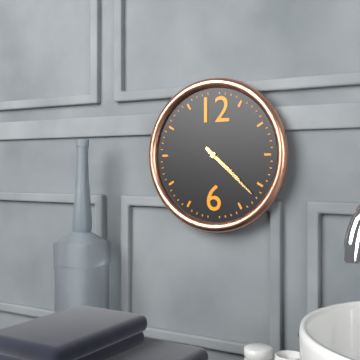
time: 4:22
